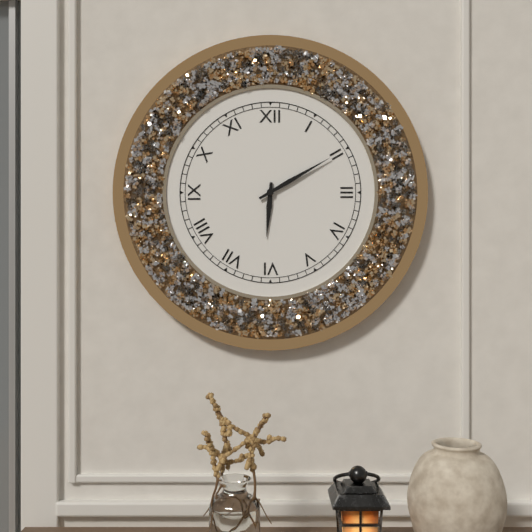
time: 6:10
